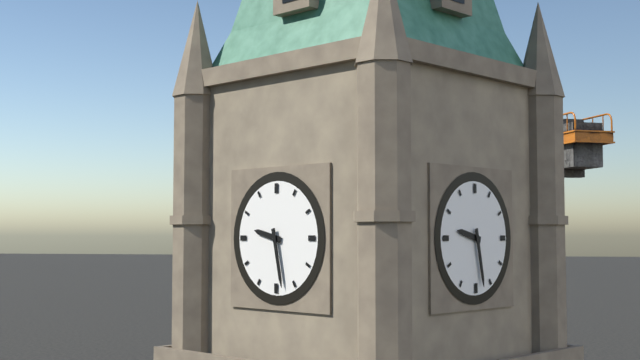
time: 9:28
